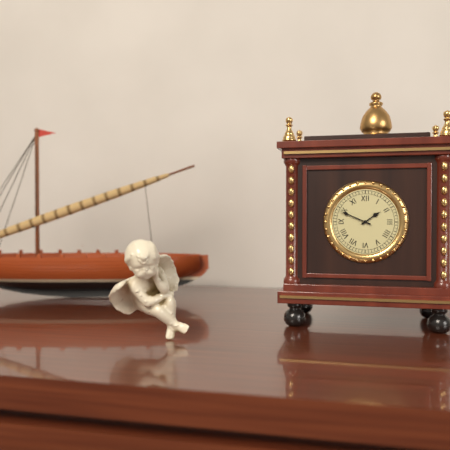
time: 1:49
